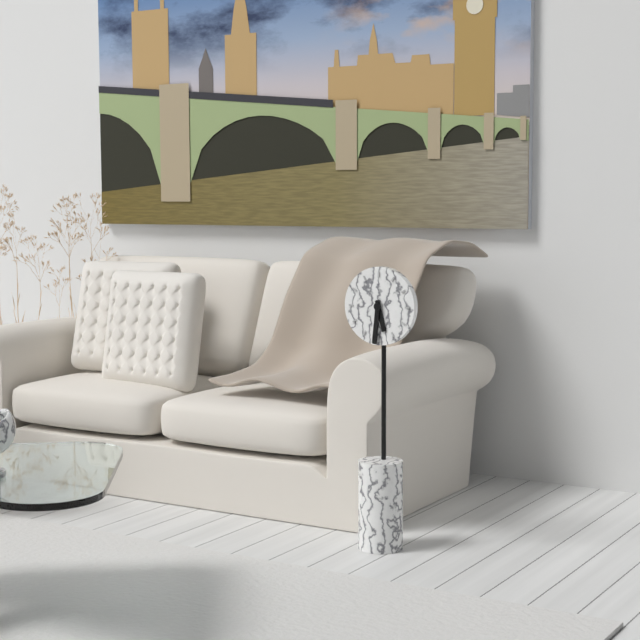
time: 5:31
